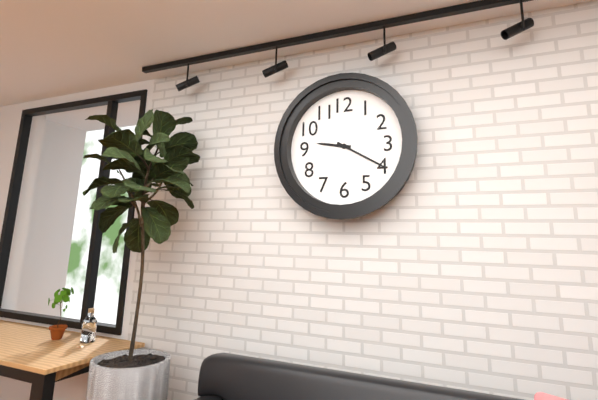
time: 9:20
